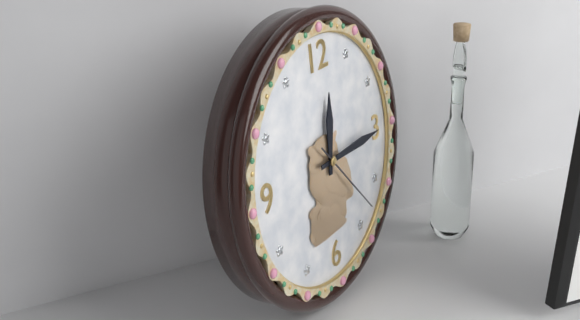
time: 12:15:23
